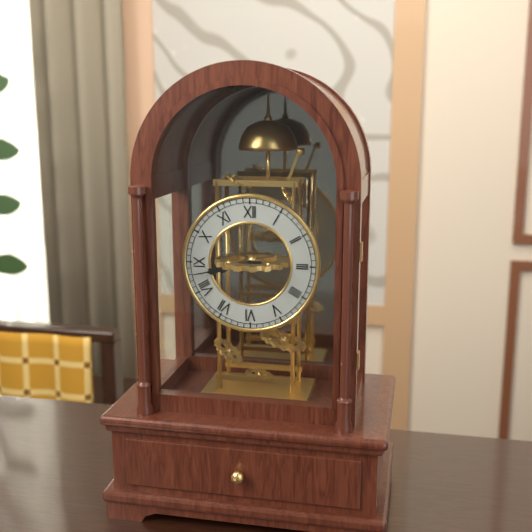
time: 8:43
